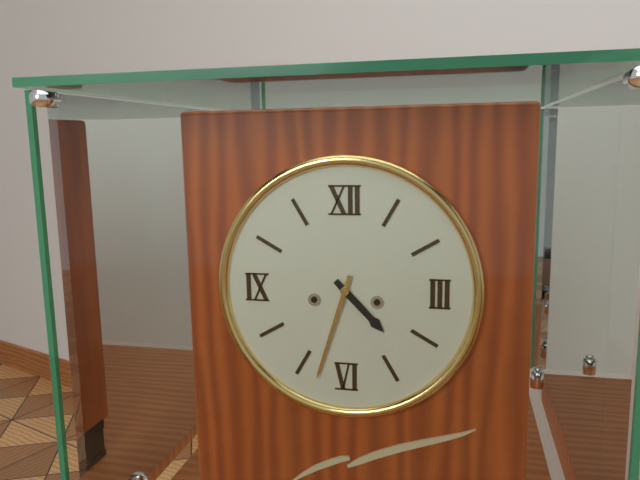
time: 4:33
